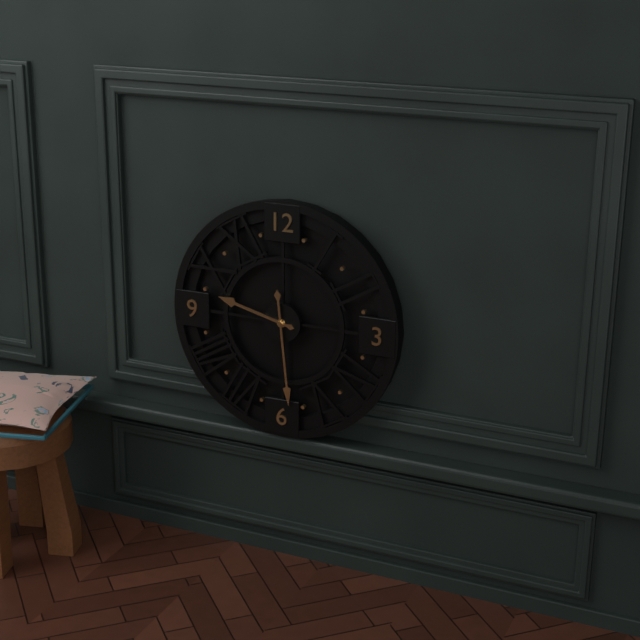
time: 9:29
